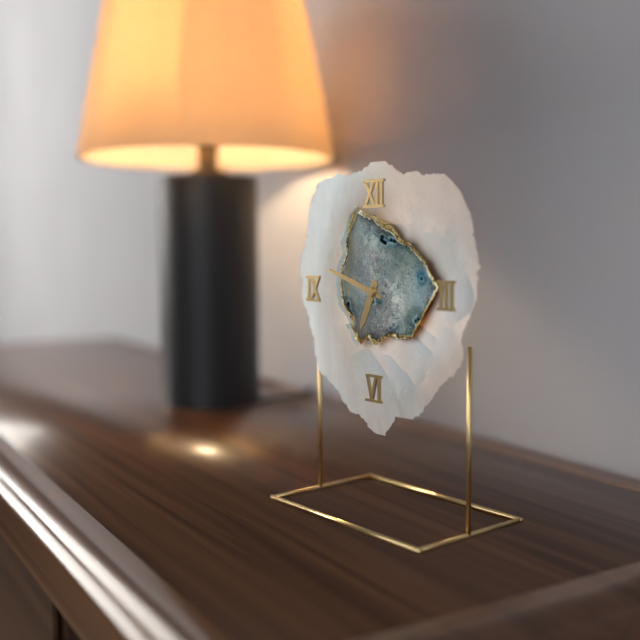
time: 6:48
